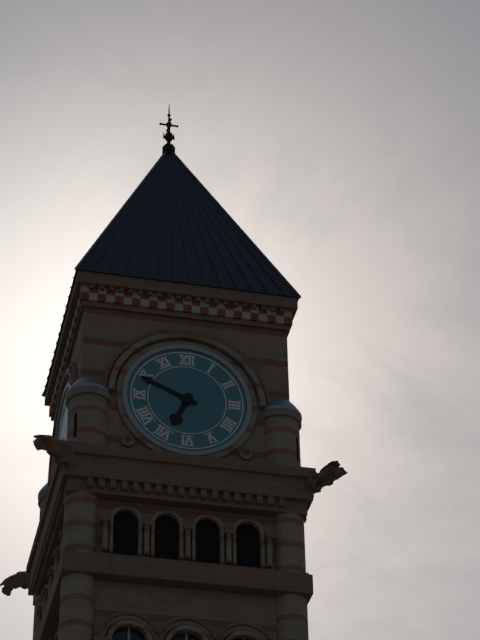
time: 6:49
